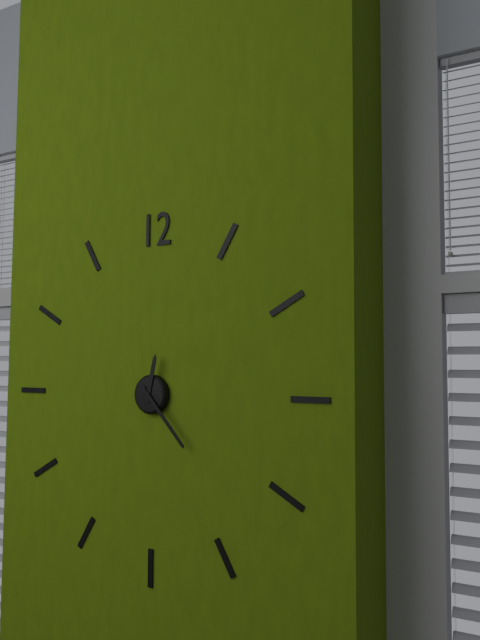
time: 12:23
